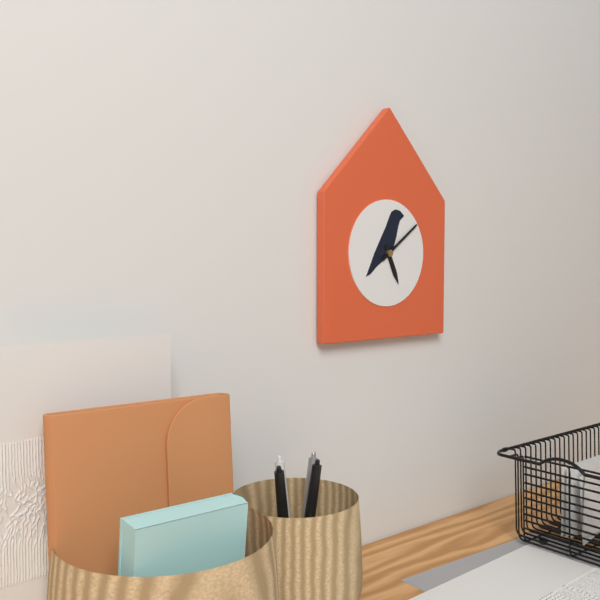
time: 5:09
